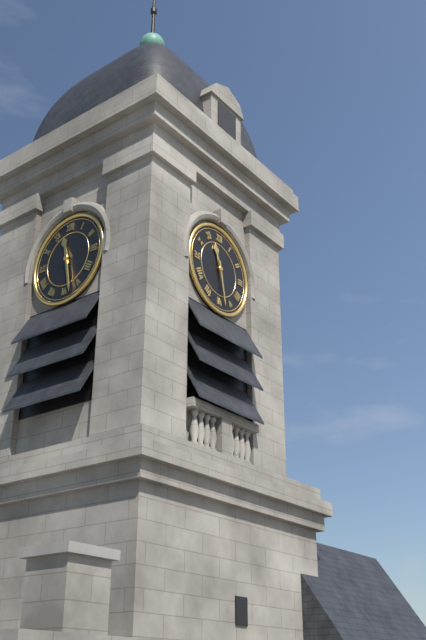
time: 11:28
